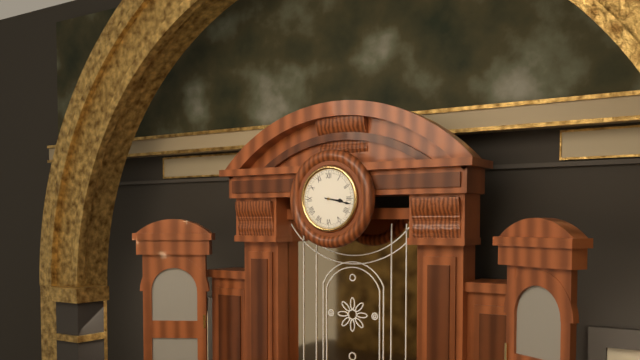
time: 3:17
